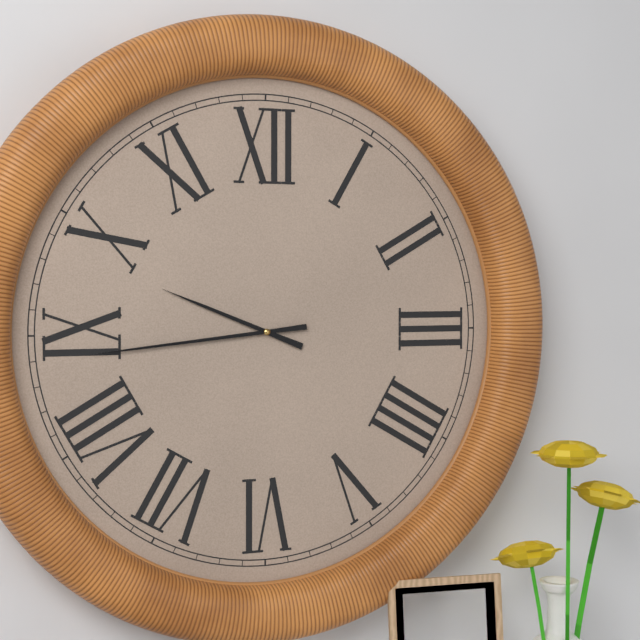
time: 9:44
